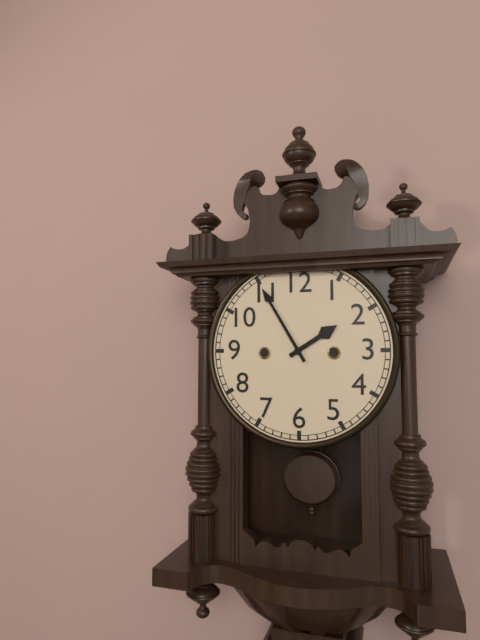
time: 1:55
